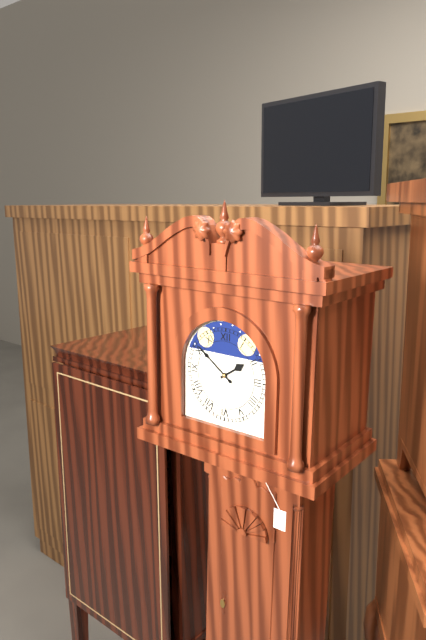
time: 1:51
